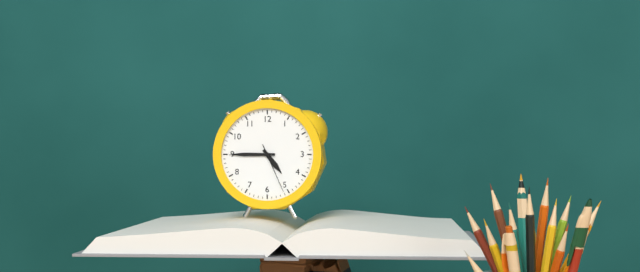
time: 4:45:26
